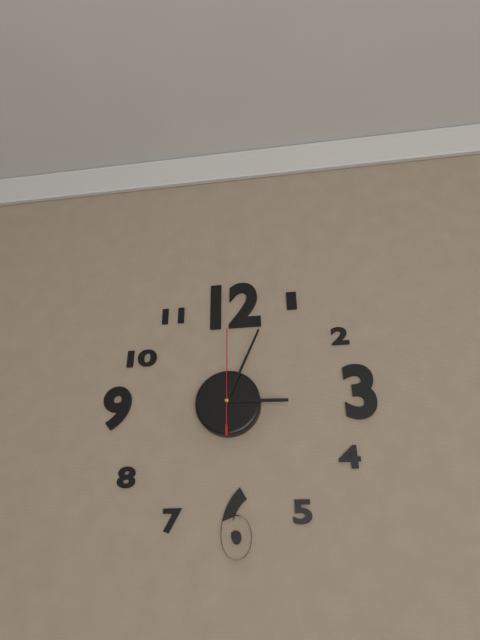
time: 3:04:00
